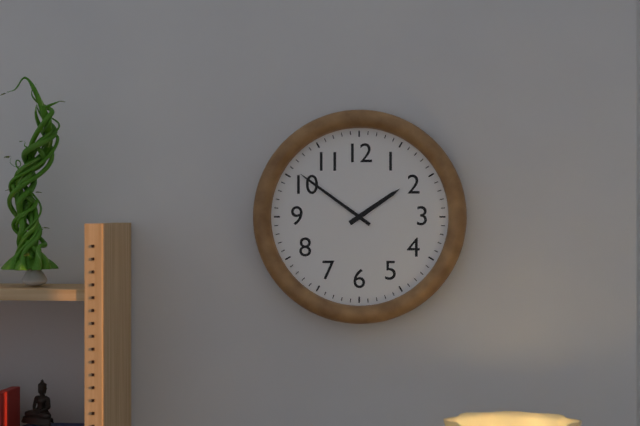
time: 1:51
